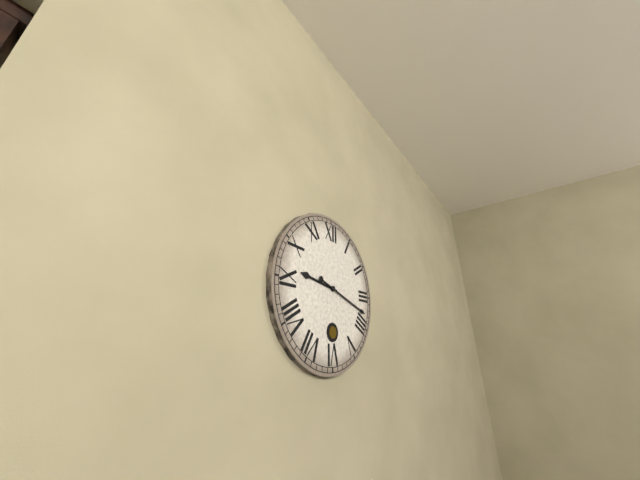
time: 9:18
